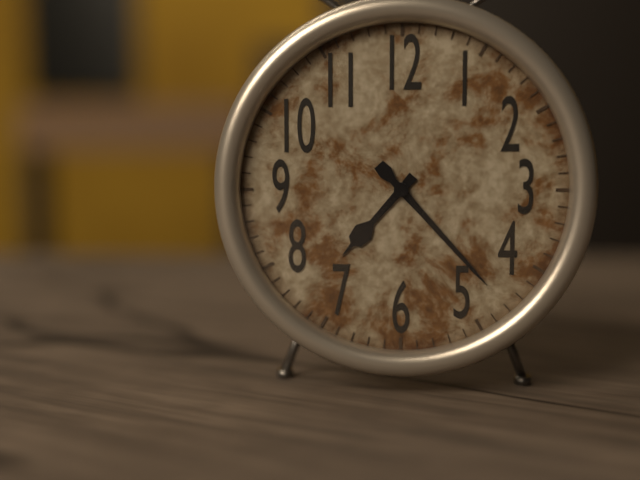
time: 7:23
